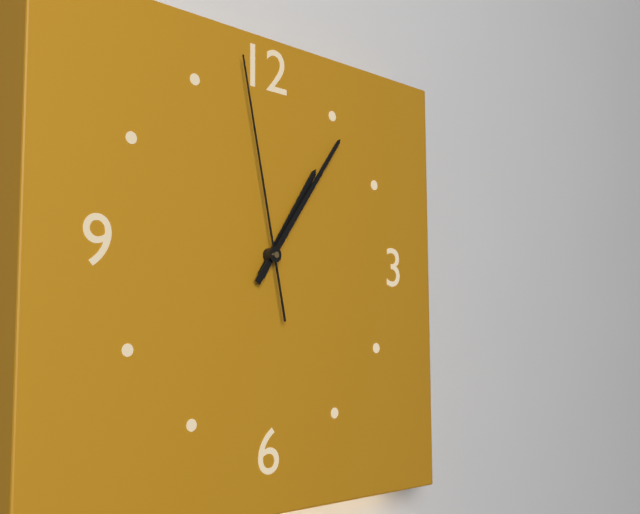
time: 1:06:58
